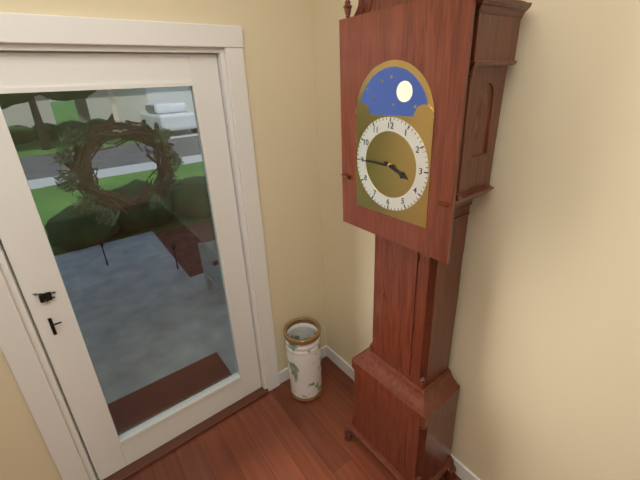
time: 3:45
